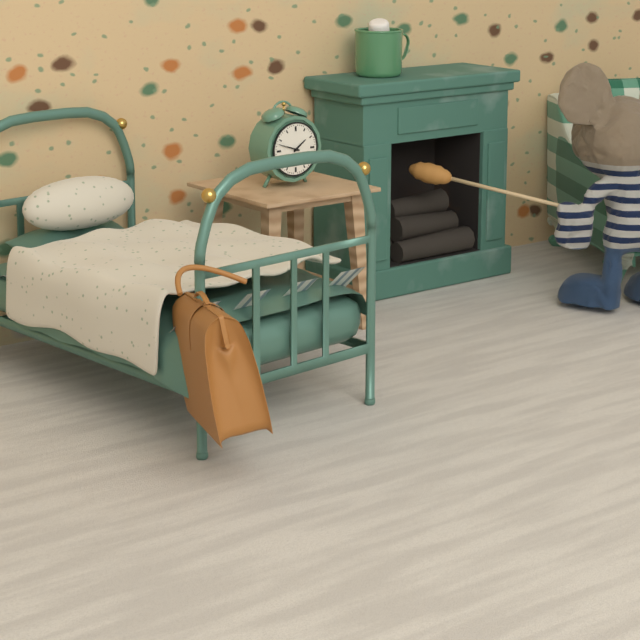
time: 1:48
